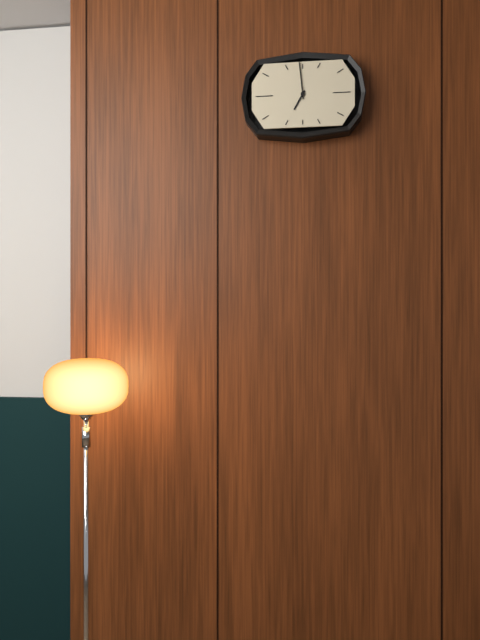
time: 6:59
